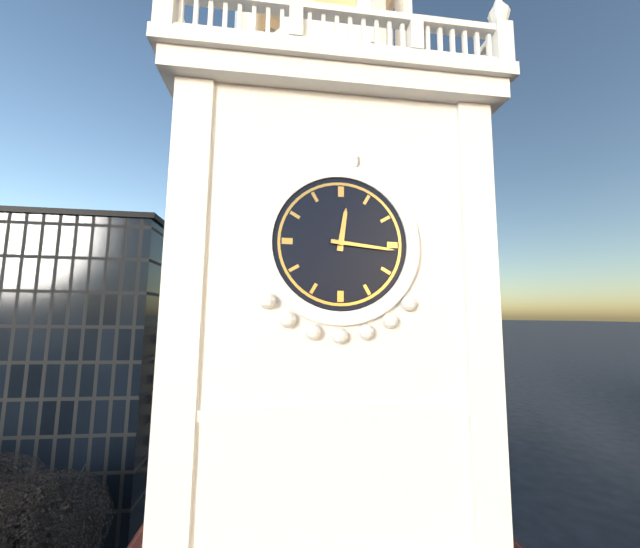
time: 12:16
